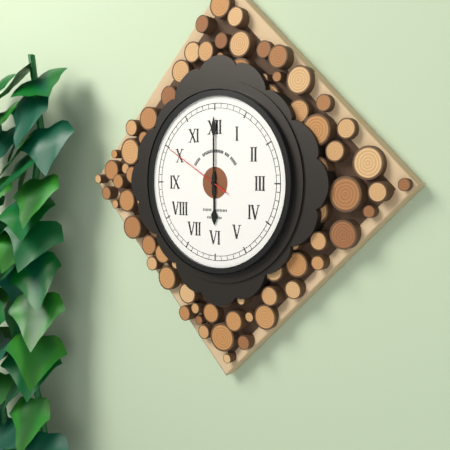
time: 6:00:50
